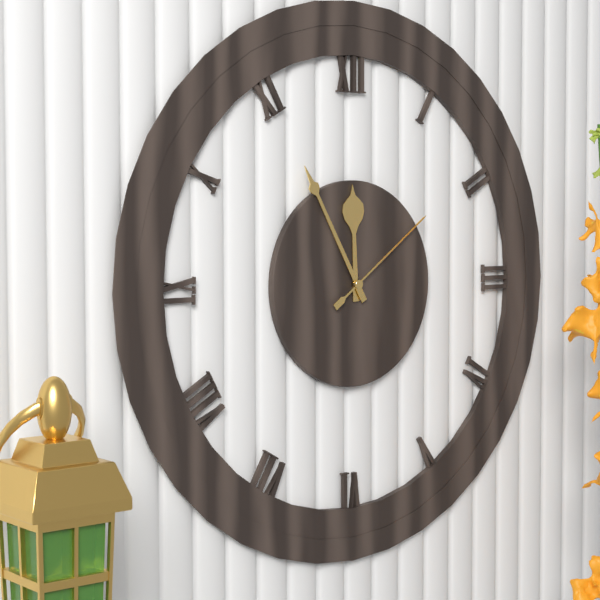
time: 11:55:09
